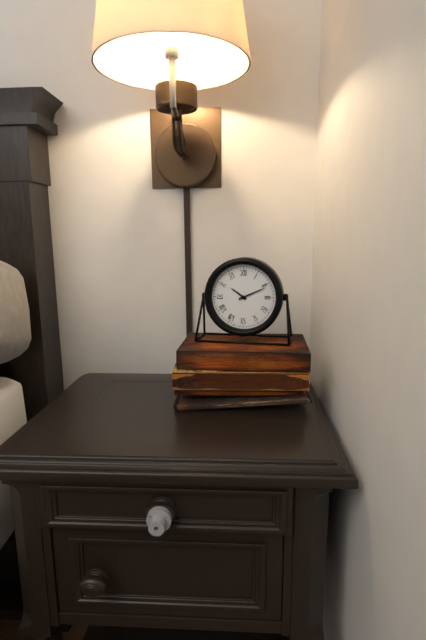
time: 10:11
